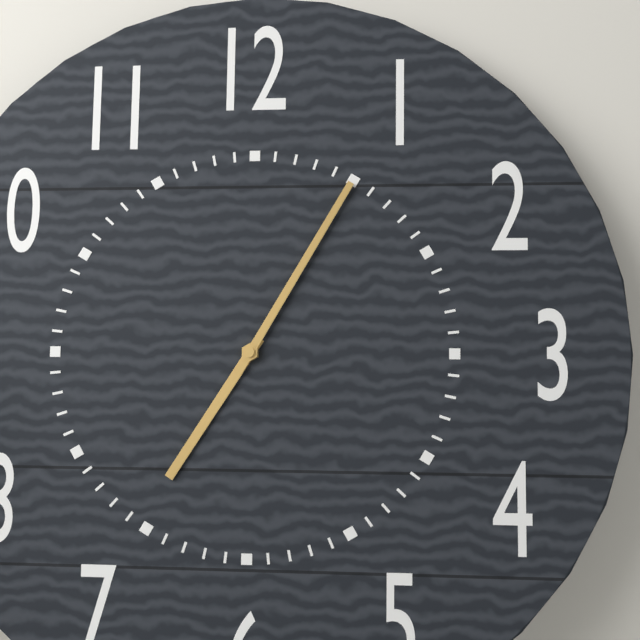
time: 7:05
